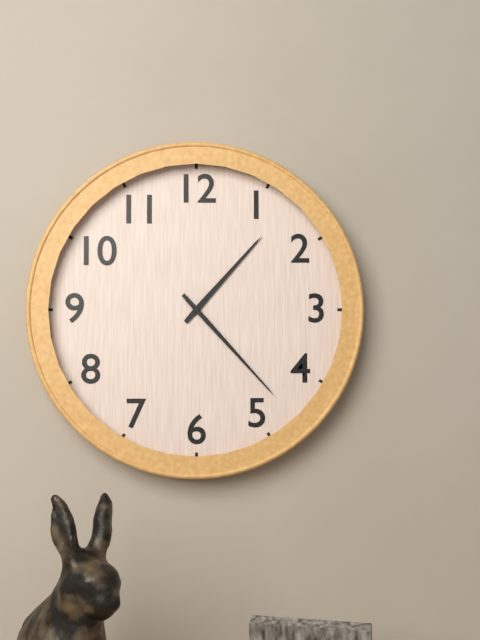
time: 1:23
